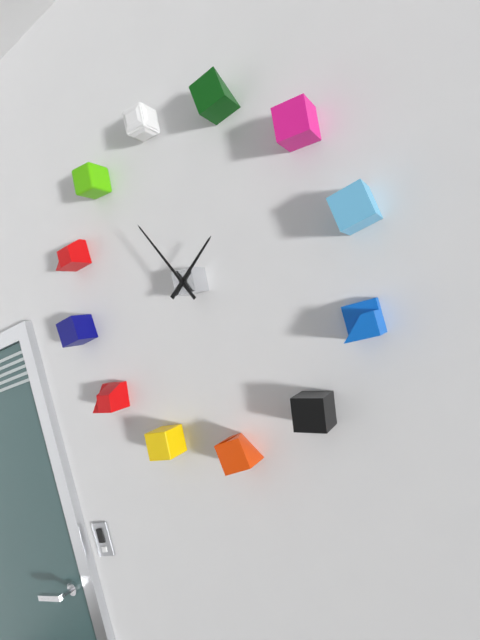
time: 1:56
